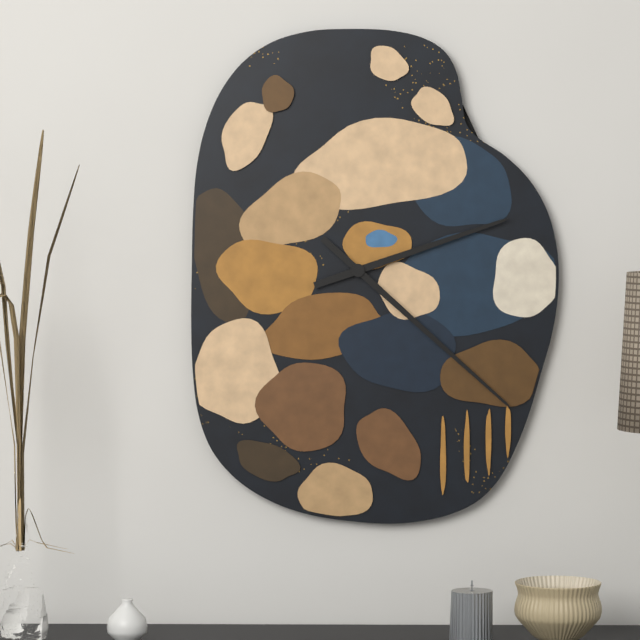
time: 2:22
